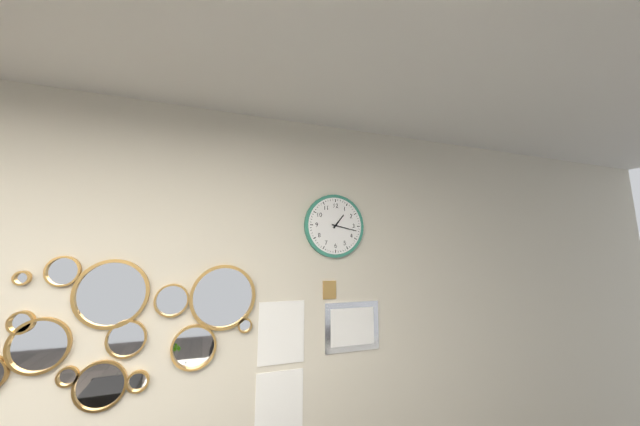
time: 1:17
